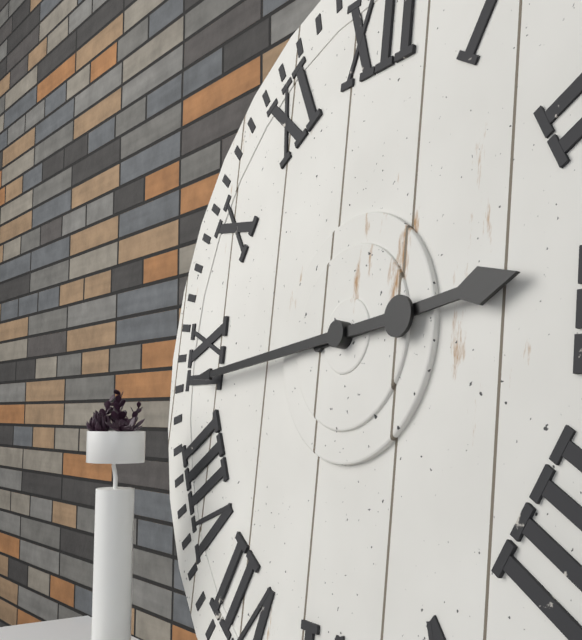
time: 2:44
